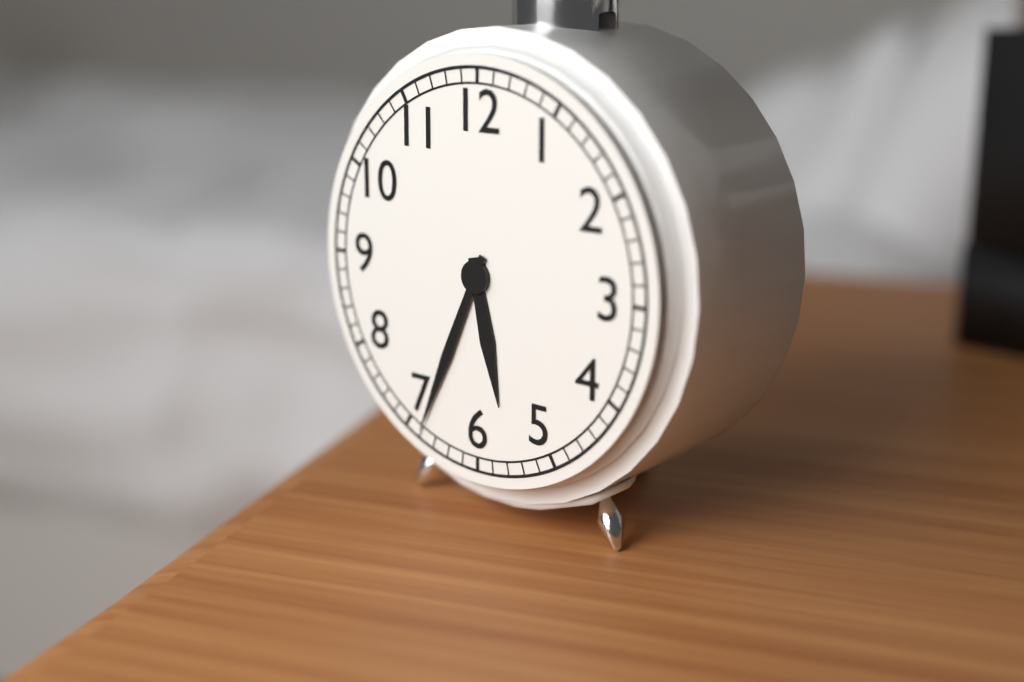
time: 5:34
